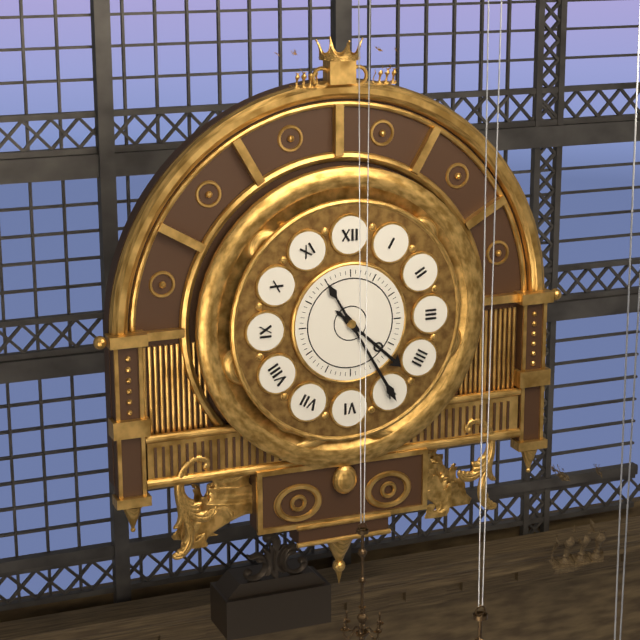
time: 4:25
